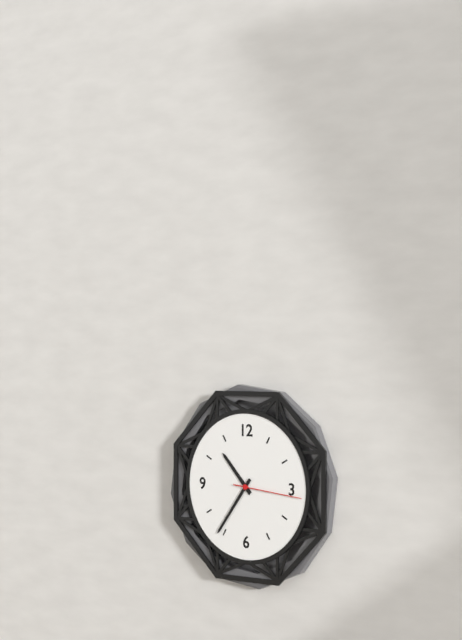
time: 10:36:16
